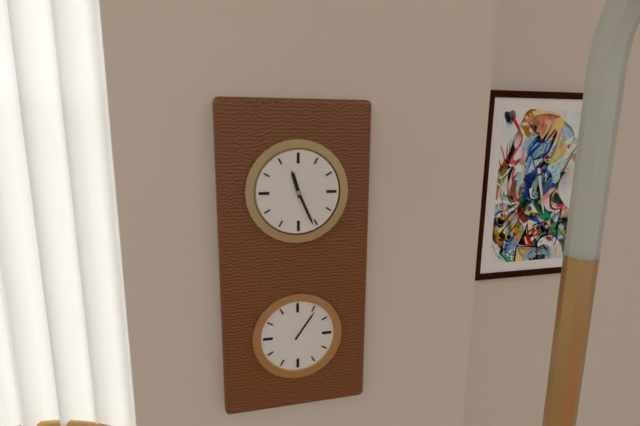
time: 11:26
